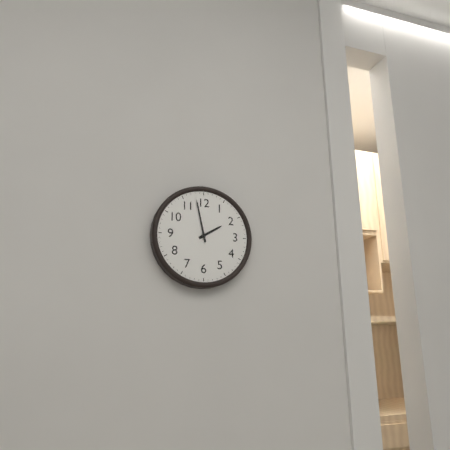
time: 1:58
